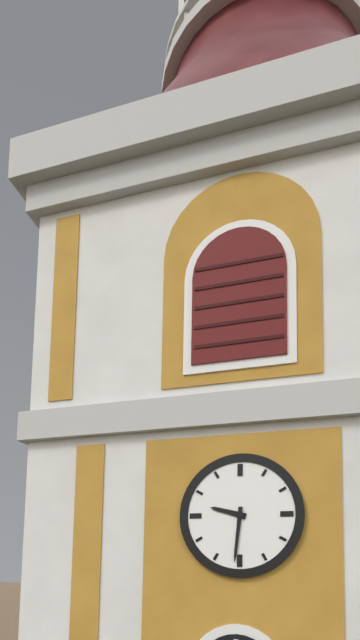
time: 9:31
